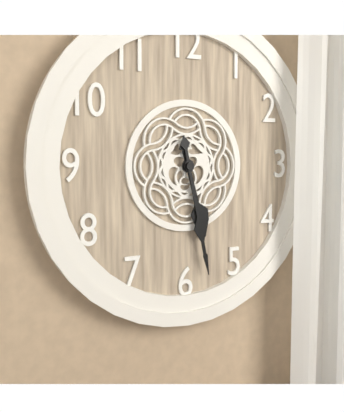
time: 5:28
